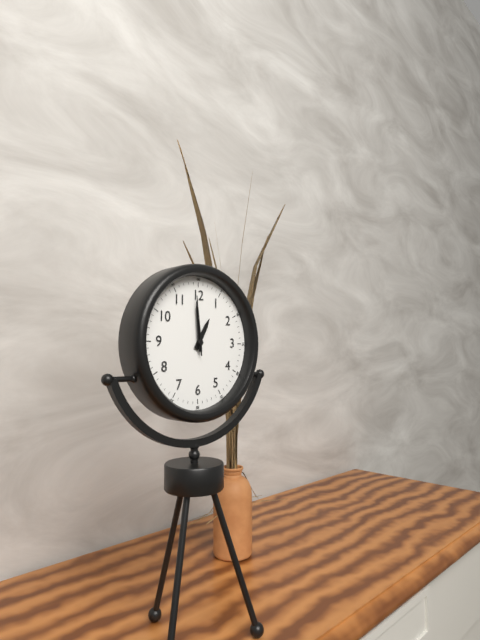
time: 12:59:59
